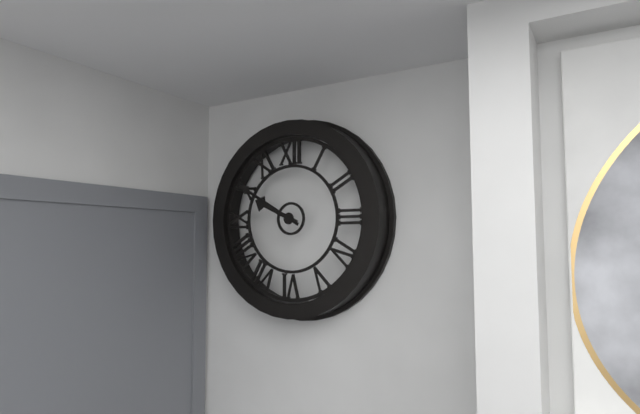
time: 9:50
